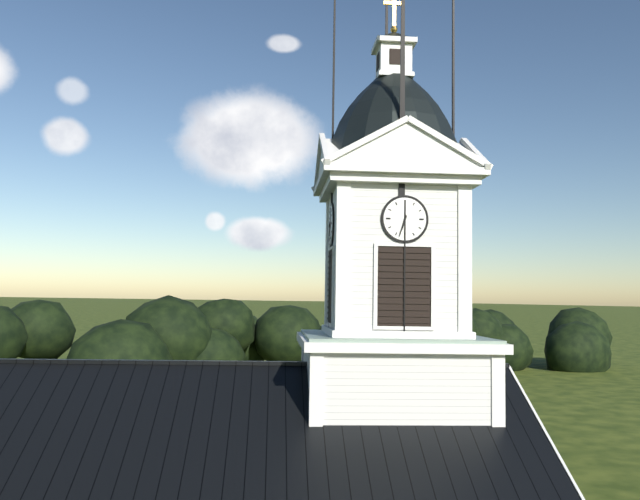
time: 6:33
